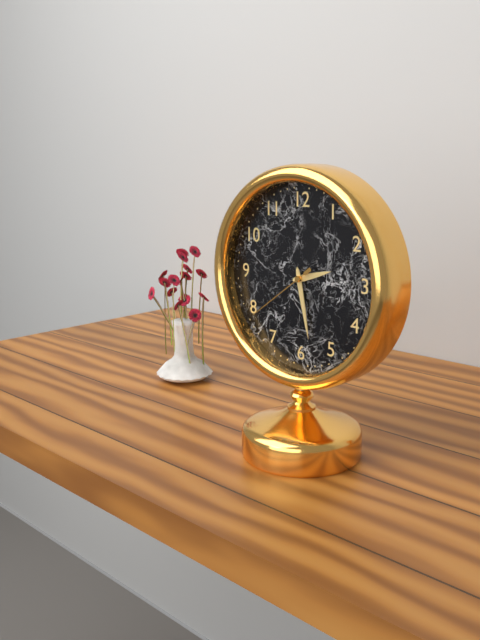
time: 2:28:39
